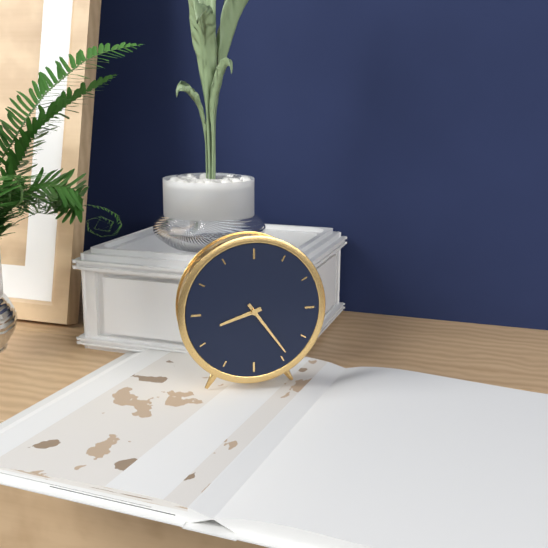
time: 8:24
